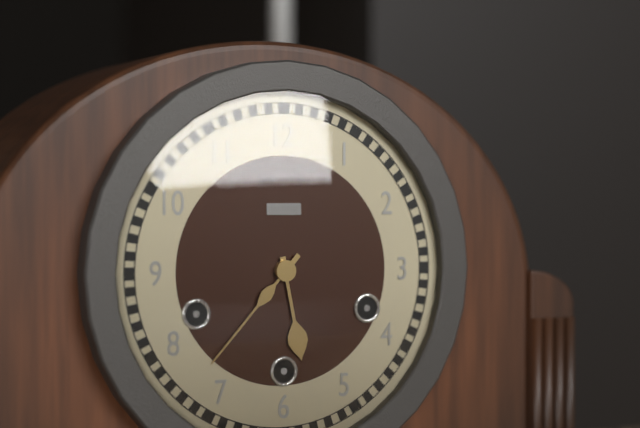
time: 5:37
